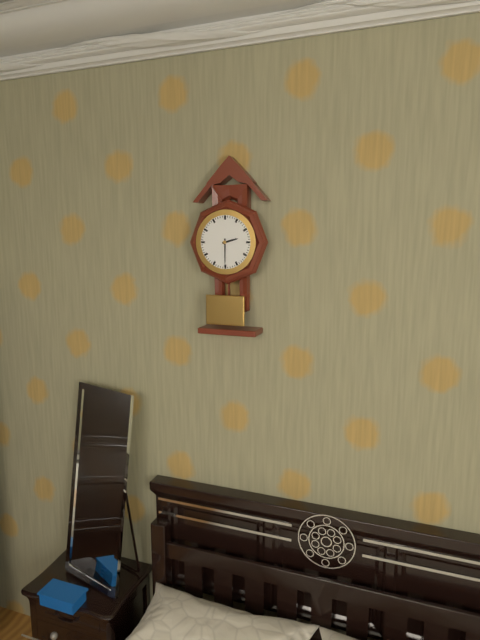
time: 2:30
